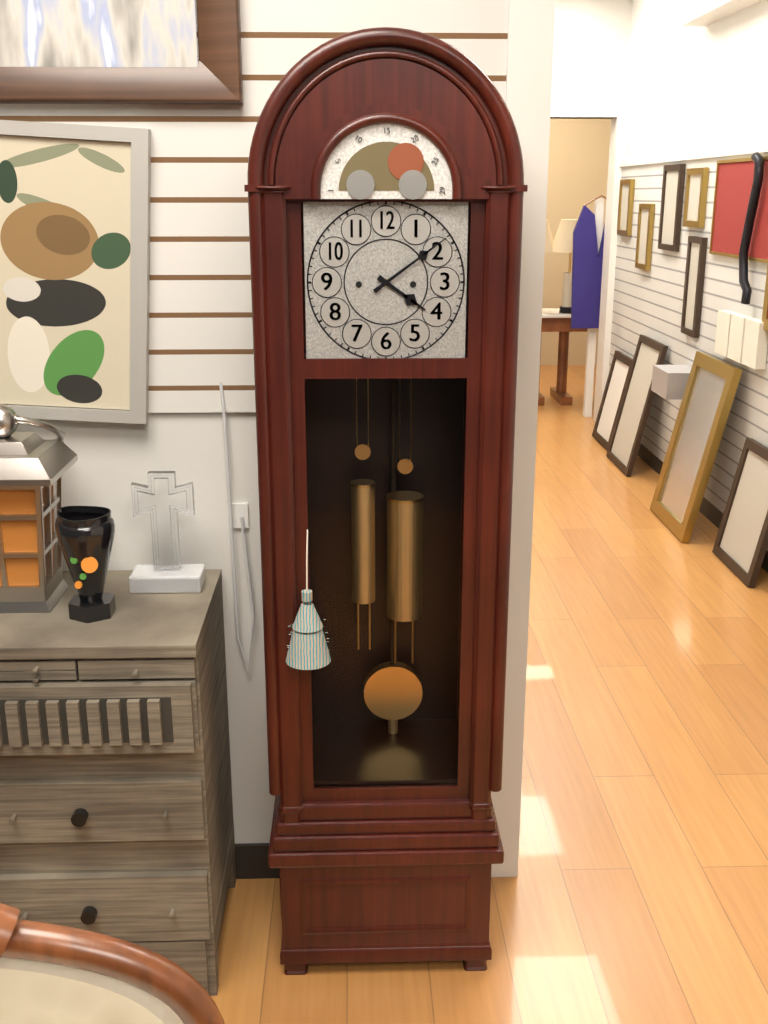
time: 4:09
